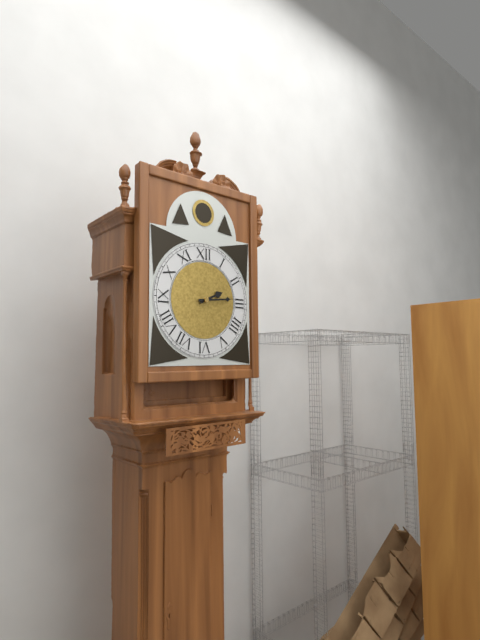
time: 2:14
